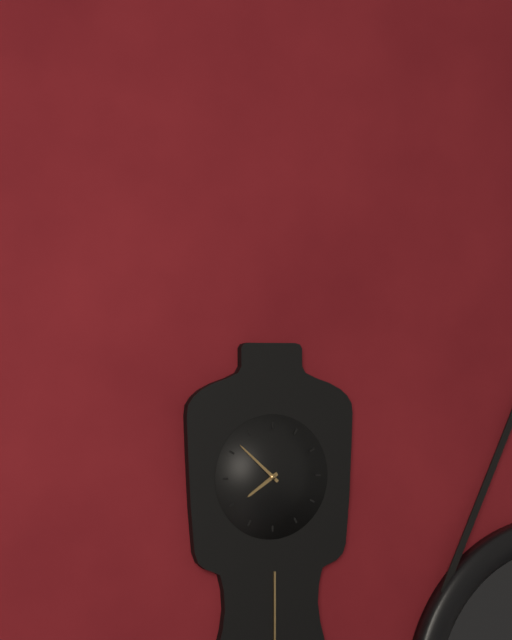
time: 7:52
